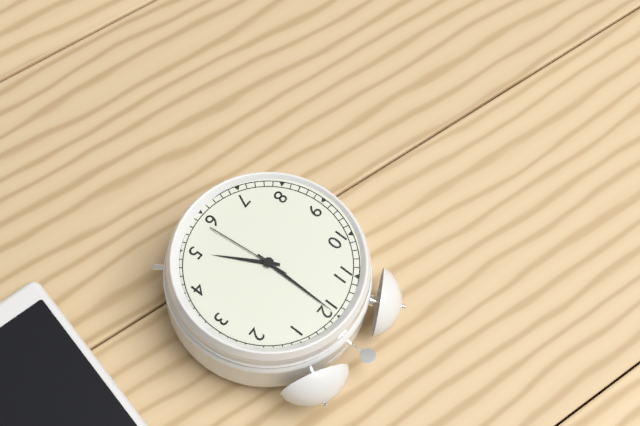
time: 5:00:29
